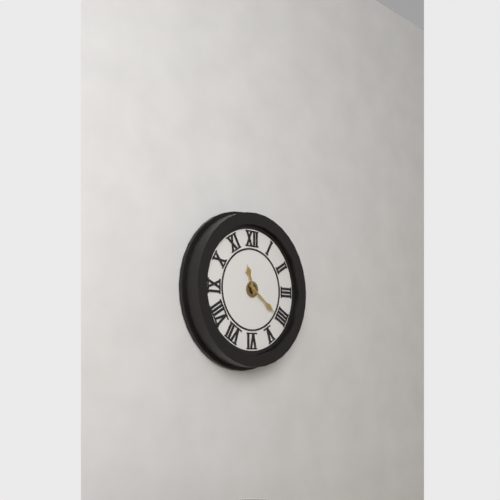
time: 11:21
